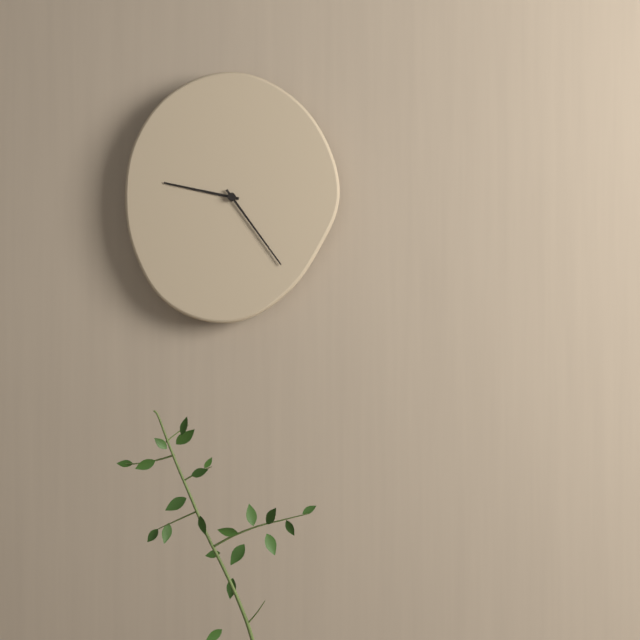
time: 9:24
